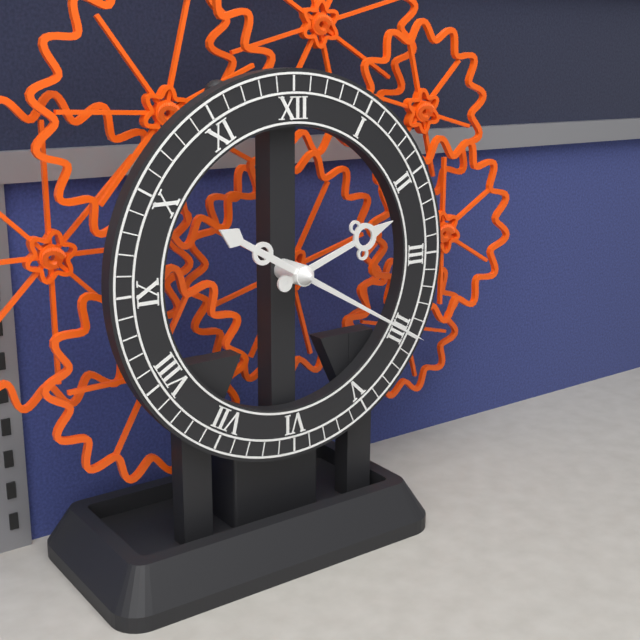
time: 2:20
